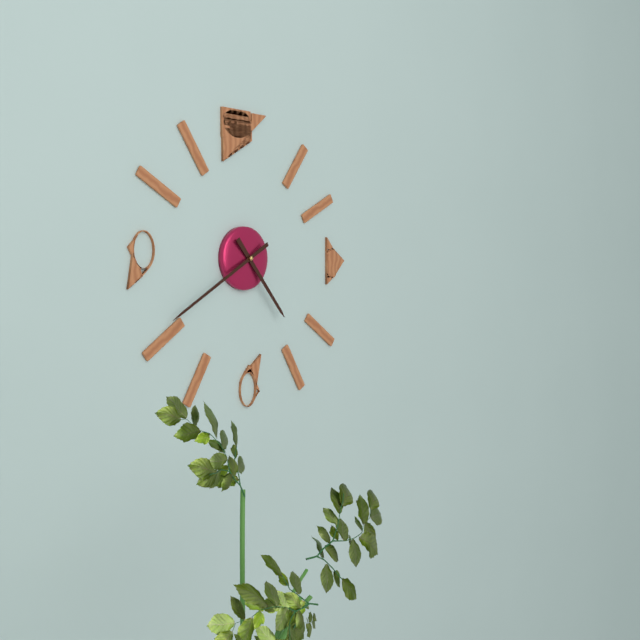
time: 4:40
